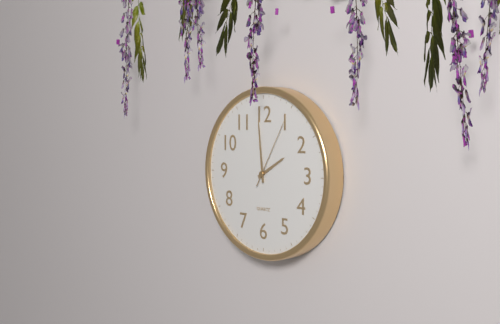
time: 1:59:05
